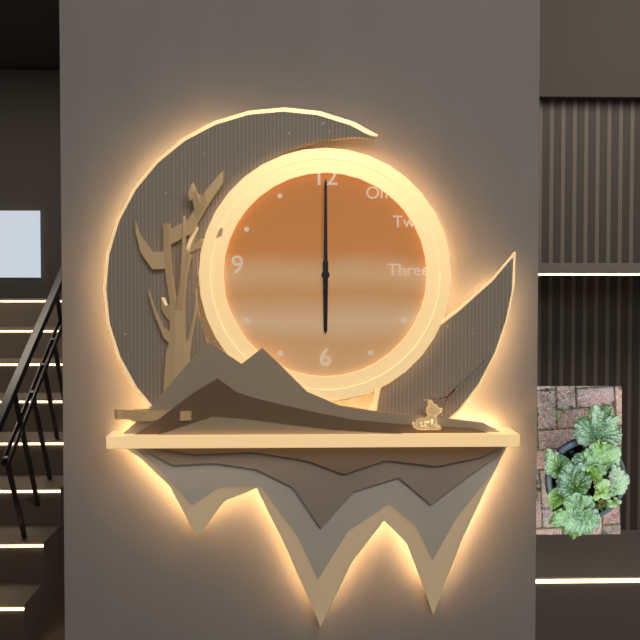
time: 6:00
